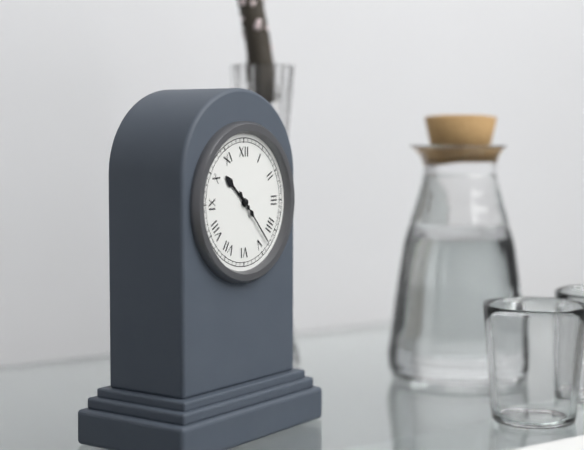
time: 10:23
